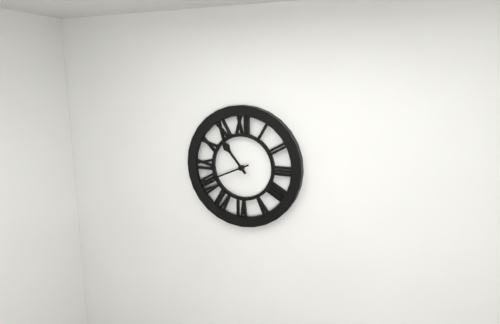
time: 10:41
